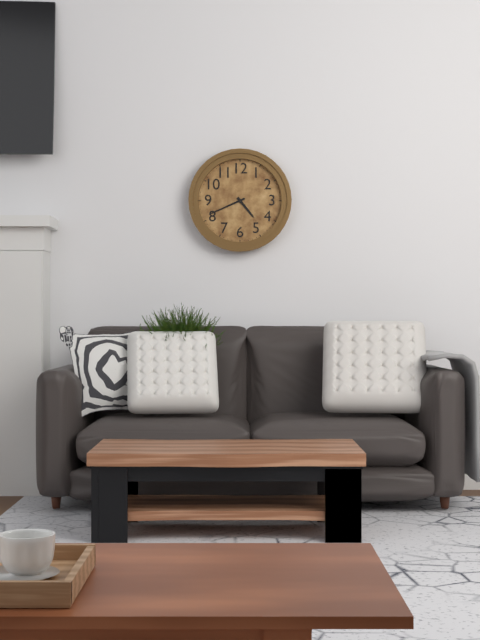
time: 4:41
